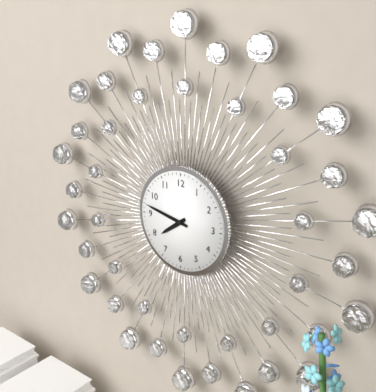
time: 7:47
